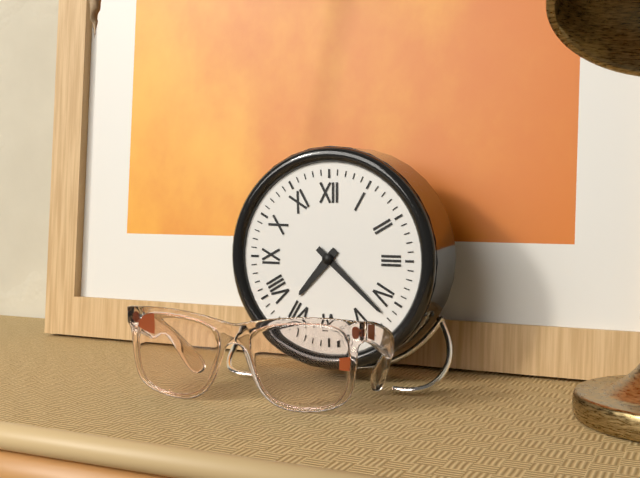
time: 7:22
